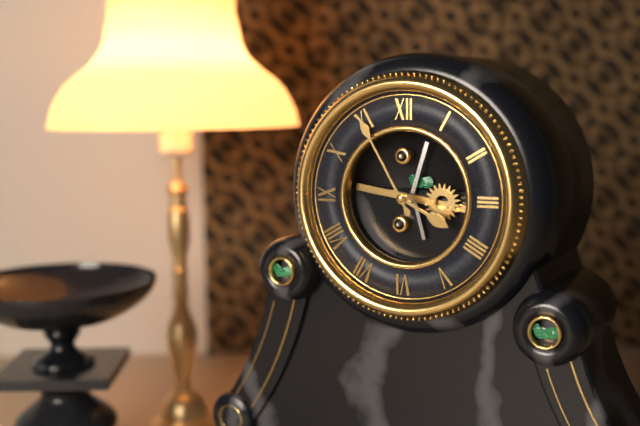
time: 3:55
